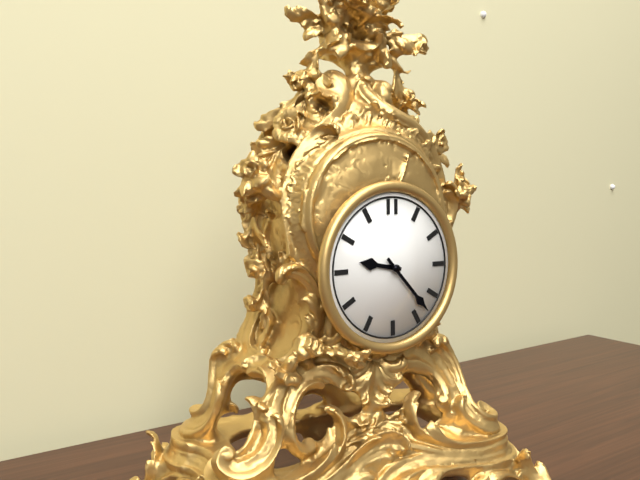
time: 9:23
